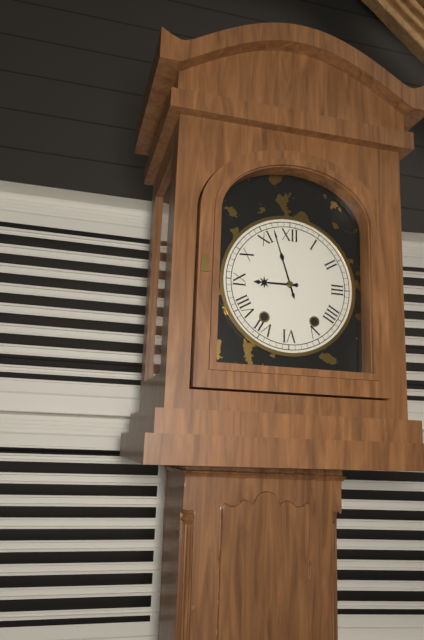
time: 8:57
